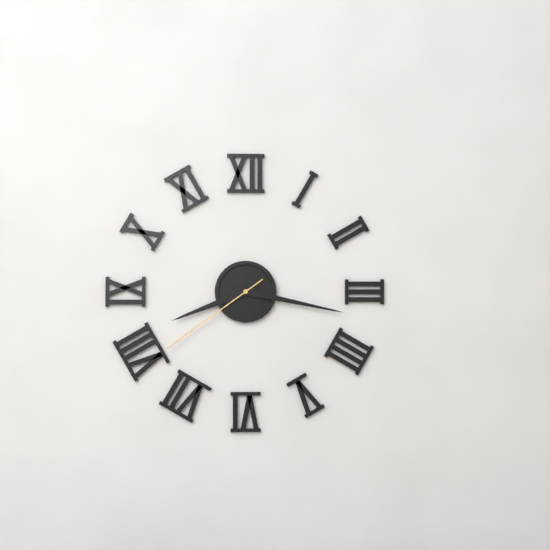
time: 8:17:39
